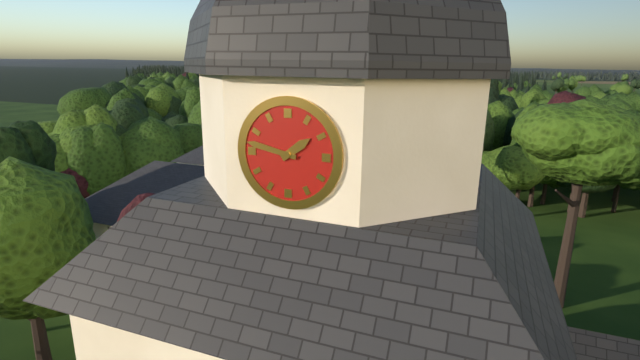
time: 1:47
